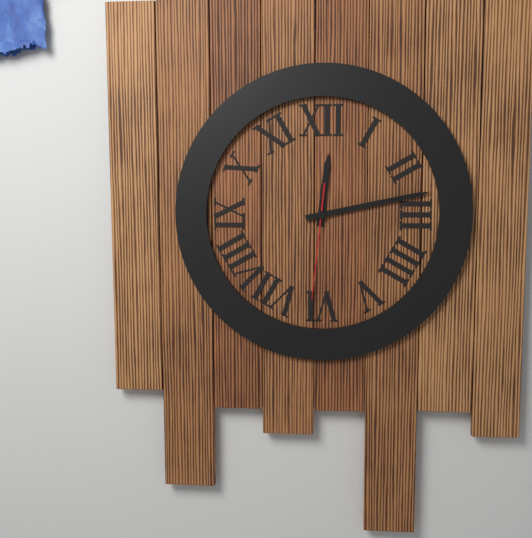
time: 12:13:31
